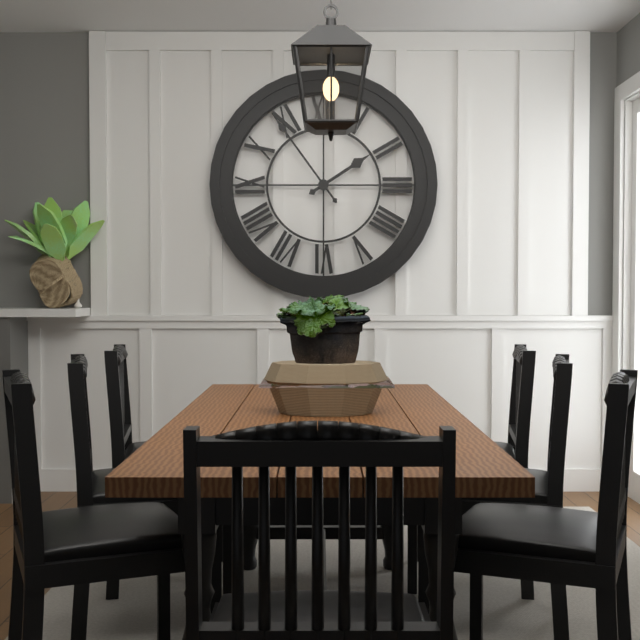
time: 1:54
